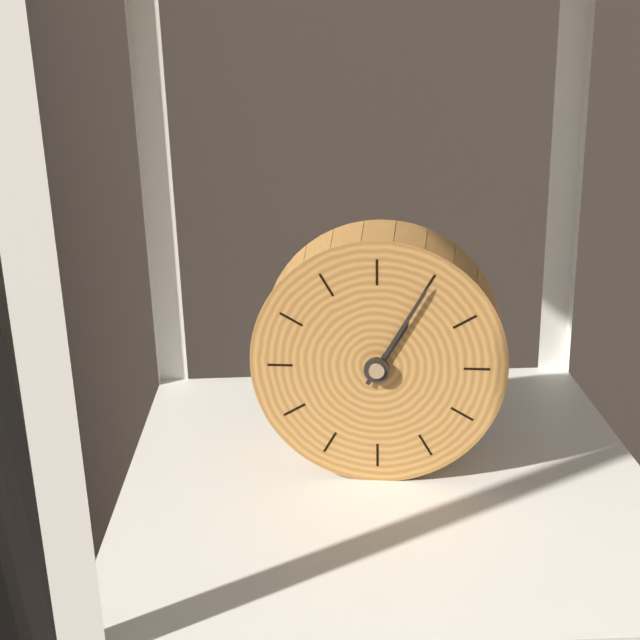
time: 1:05
